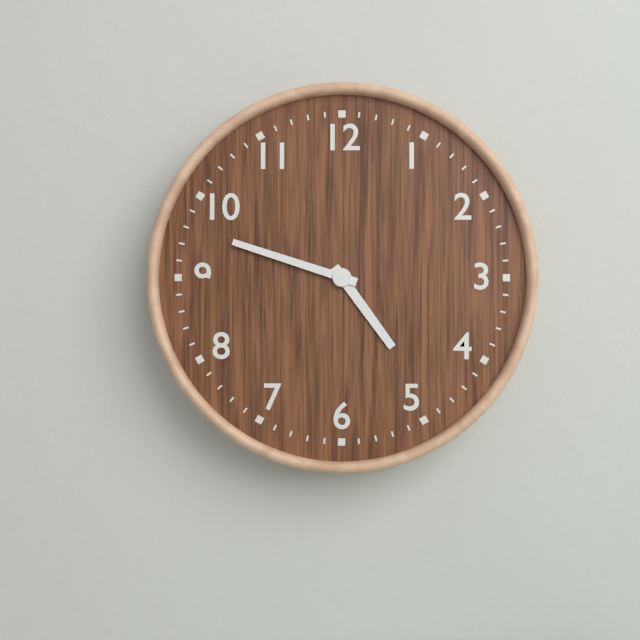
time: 4:48
